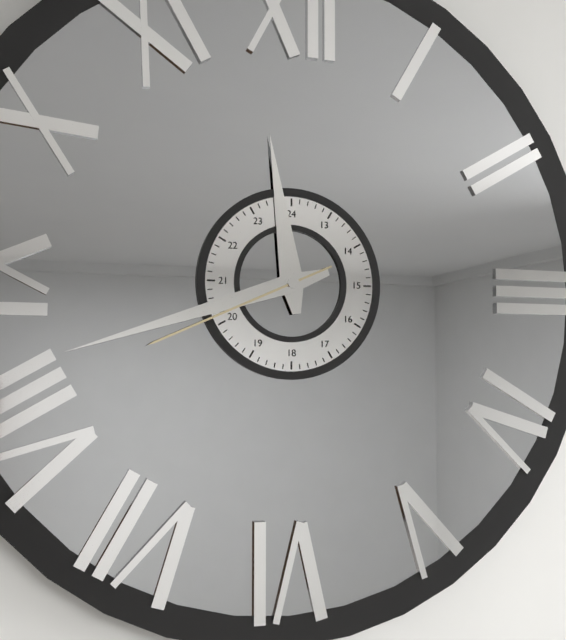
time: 11:42:41
